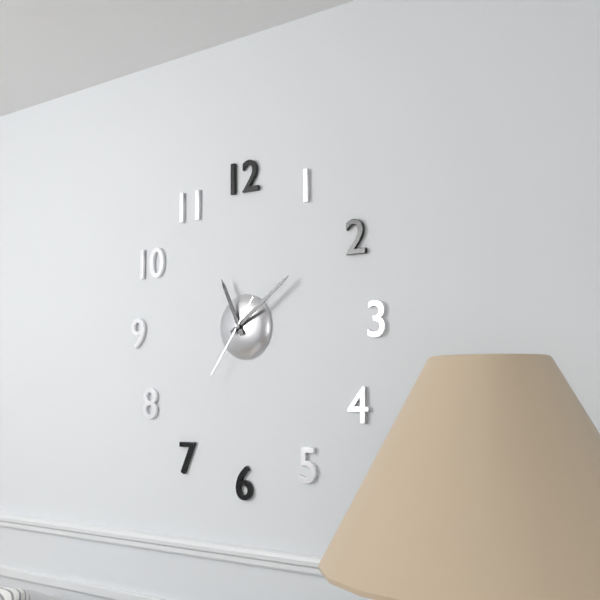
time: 11:09:36
